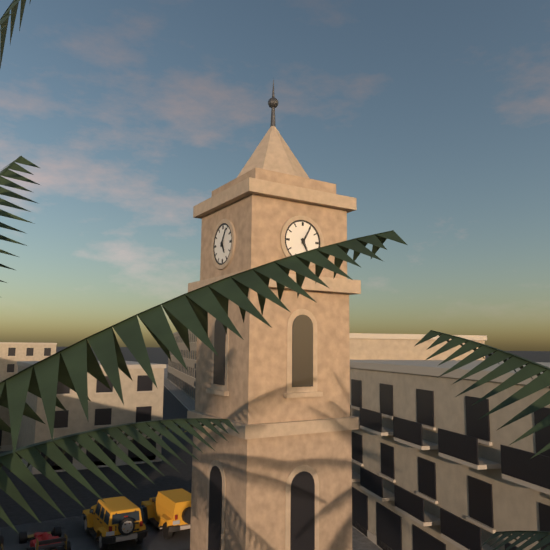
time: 5:05
